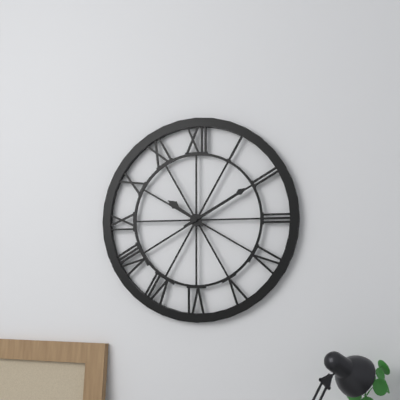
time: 10:10
